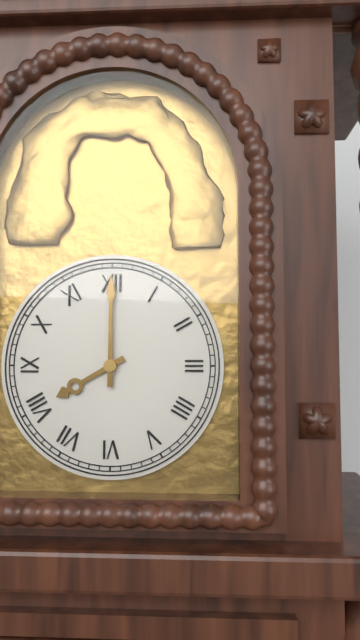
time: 8:00
